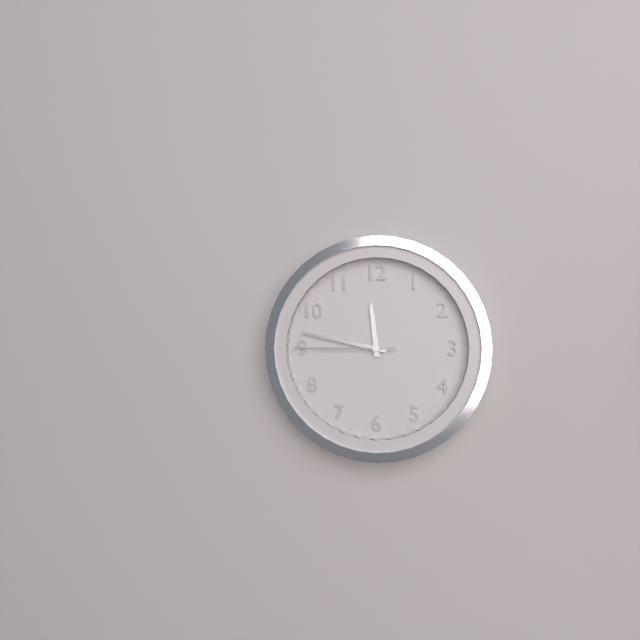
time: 11:47:45
